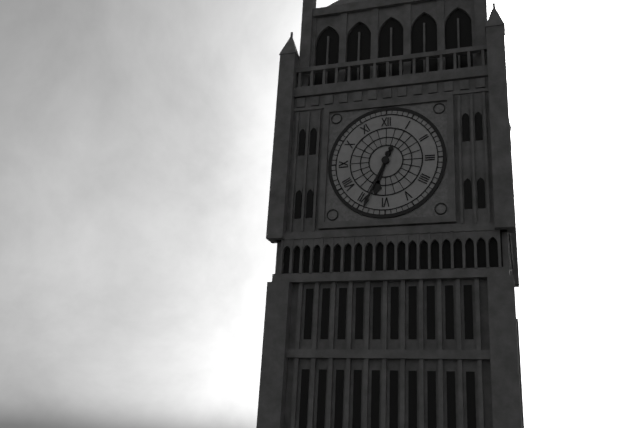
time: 6:34
